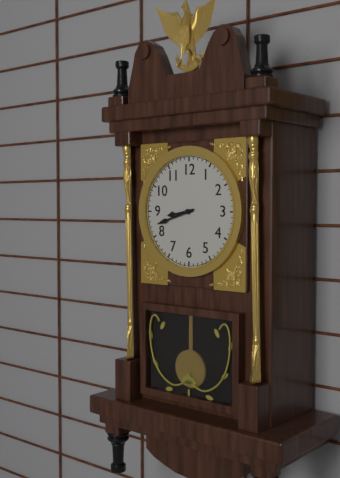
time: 8:42
